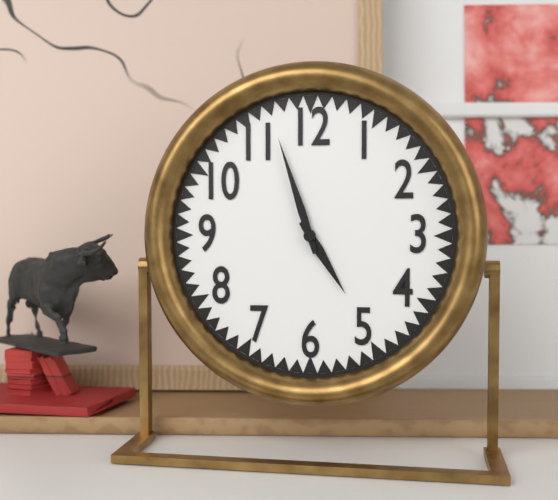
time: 4:57
